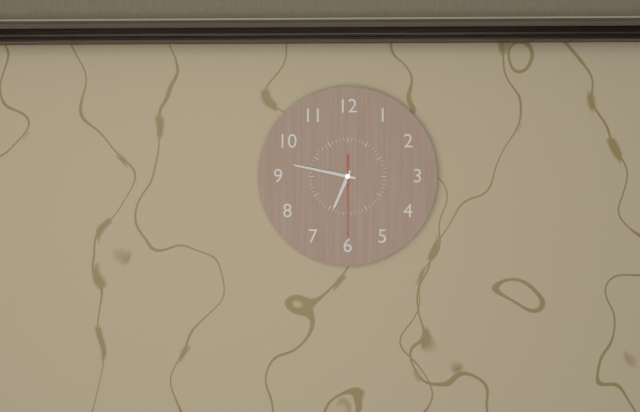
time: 6:47:30
